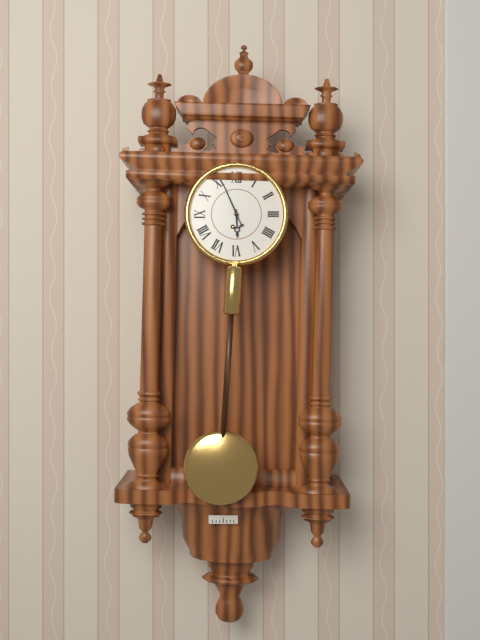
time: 5:56
